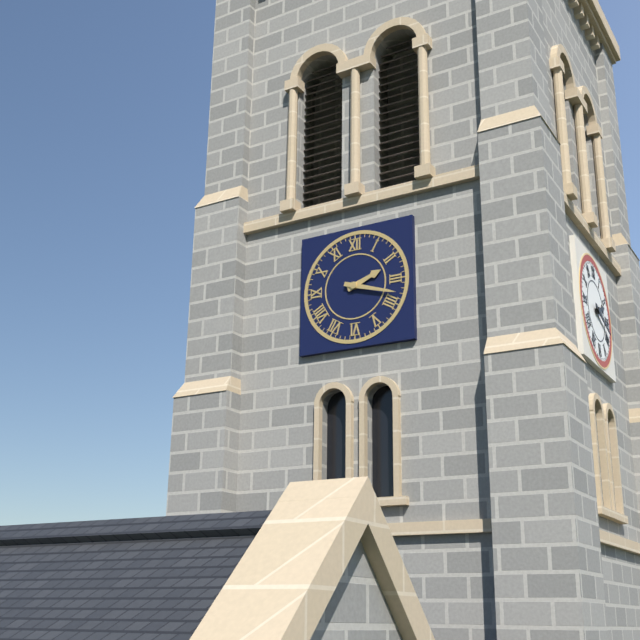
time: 2:18
